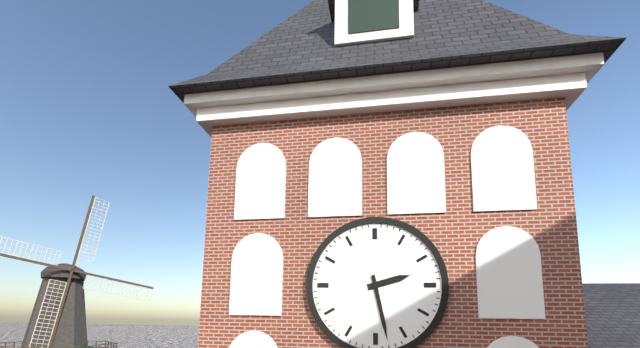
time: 2:28
